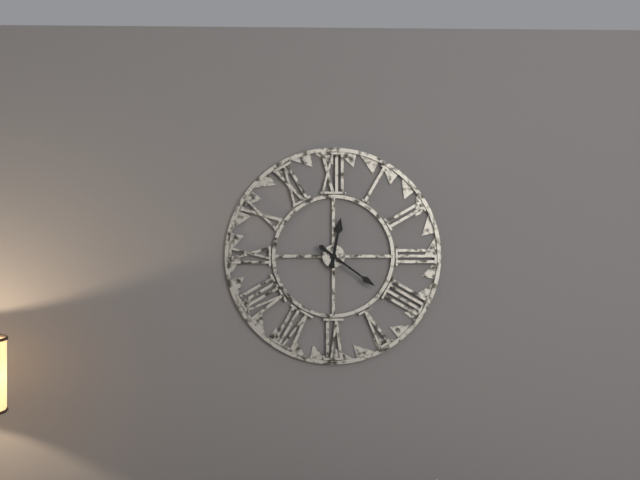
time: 12:21
